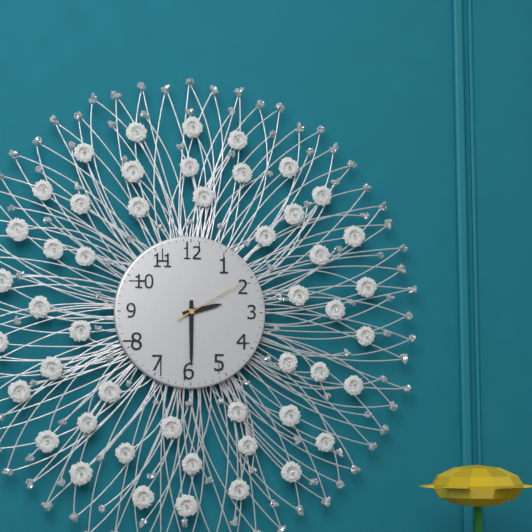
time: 2:30:10
